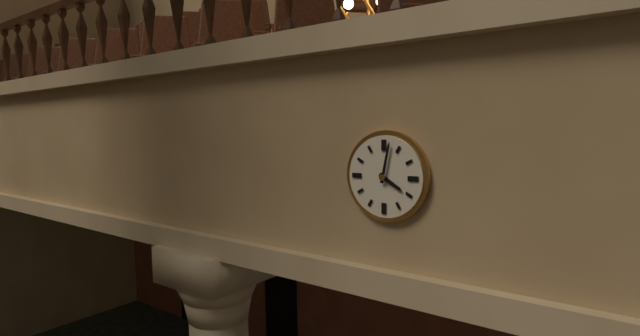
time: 4:02
